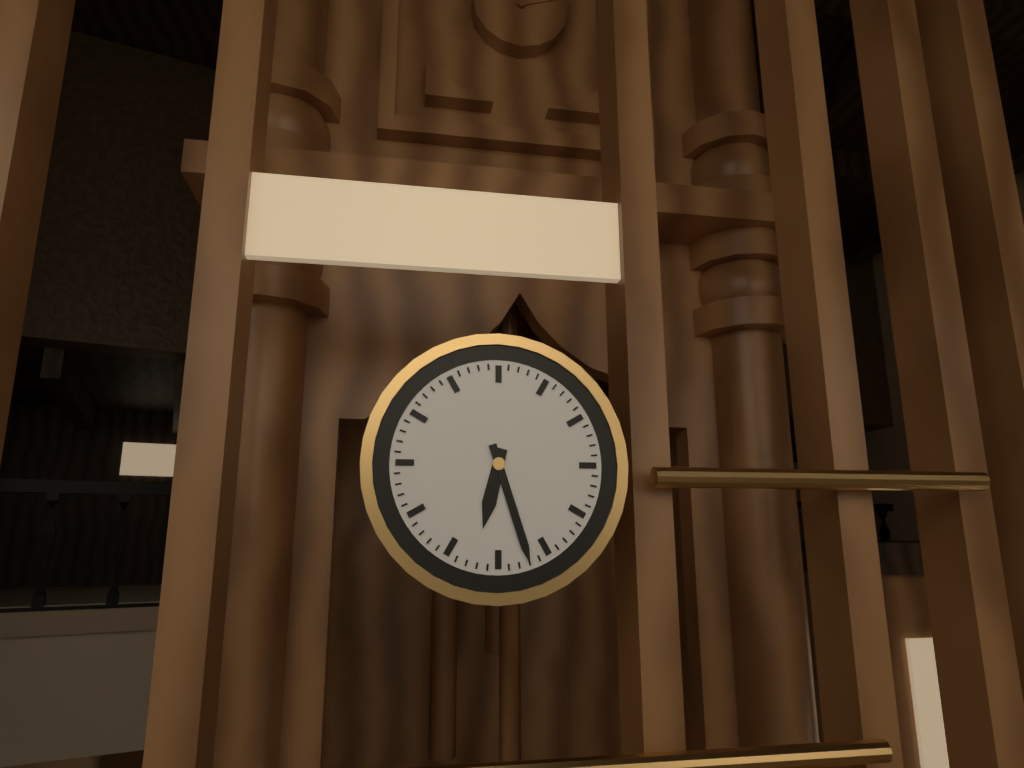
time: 6:27
